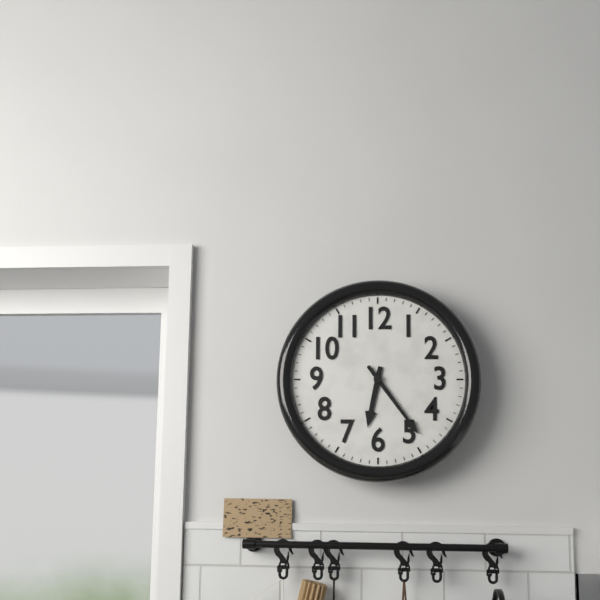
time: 6:24
